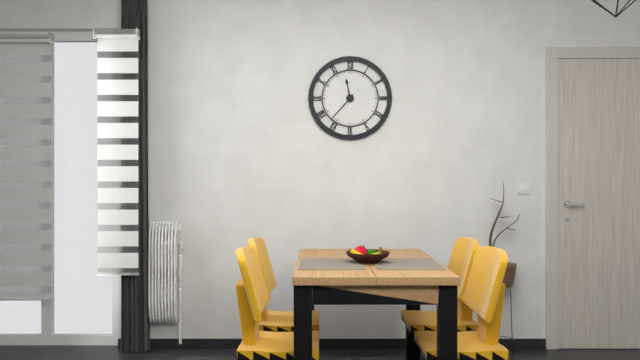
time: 11:37
